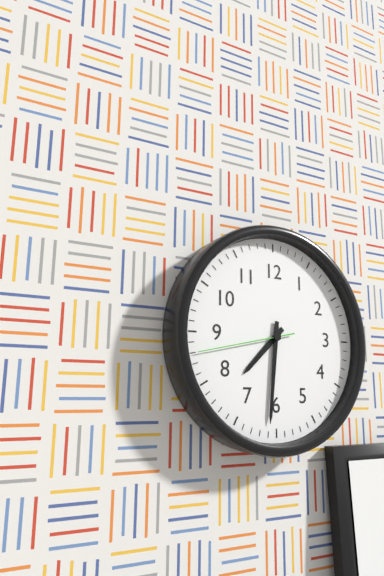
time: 7:31:43
